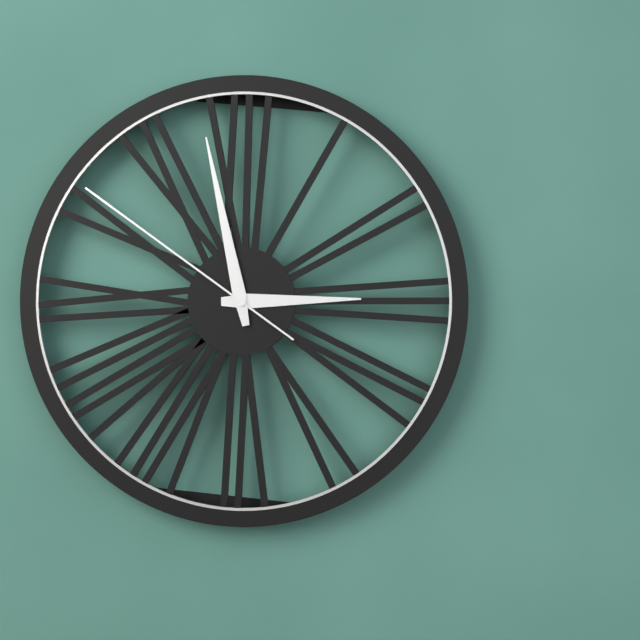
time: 2:58:51
